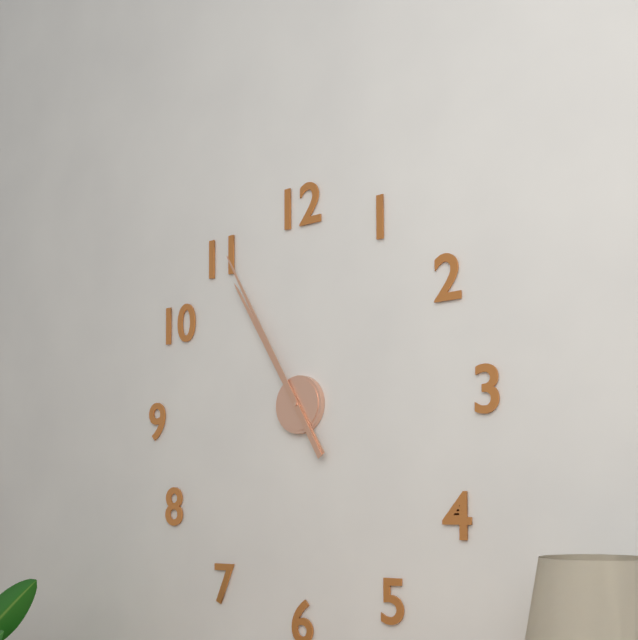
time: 10:55
